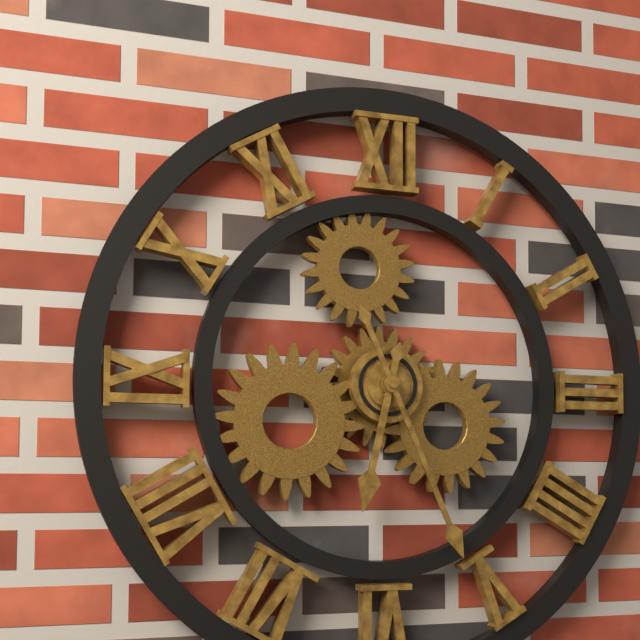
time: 6:26
